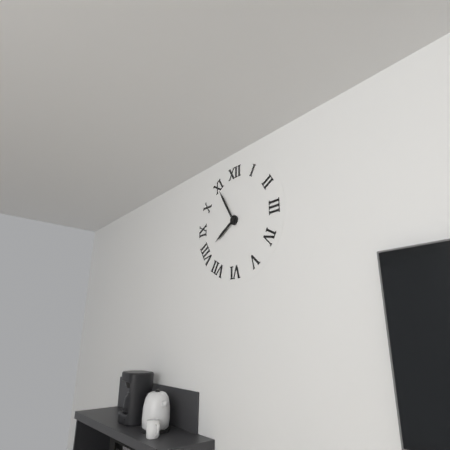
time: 7:55
